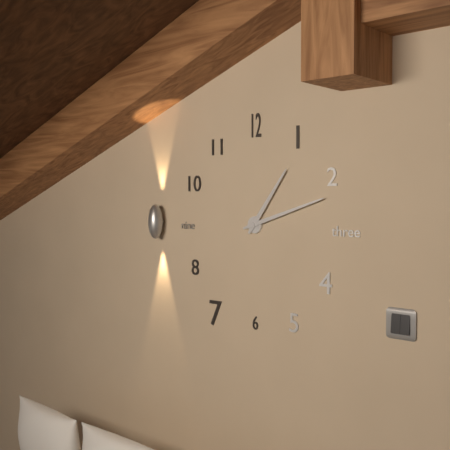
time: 1:12
